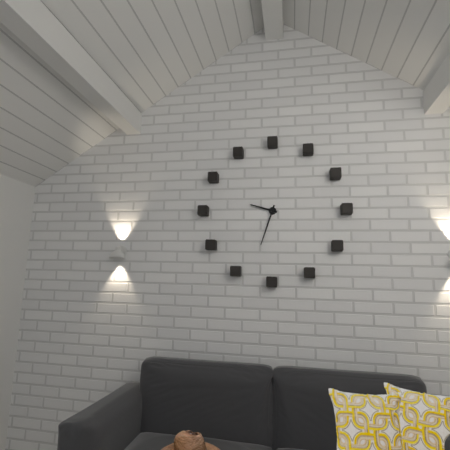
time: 9:33
